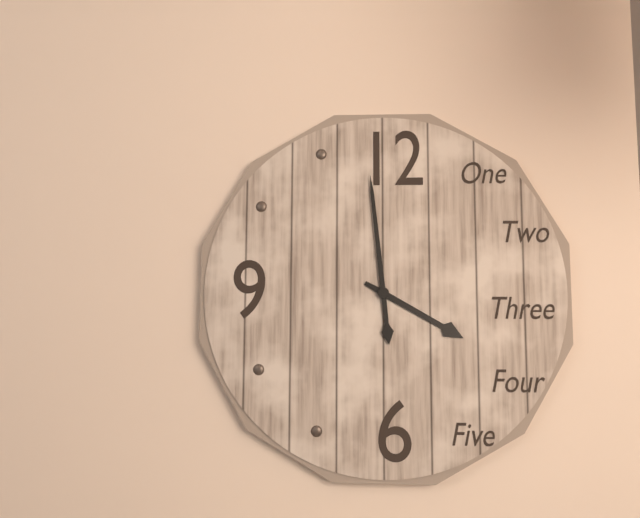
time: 3:59
